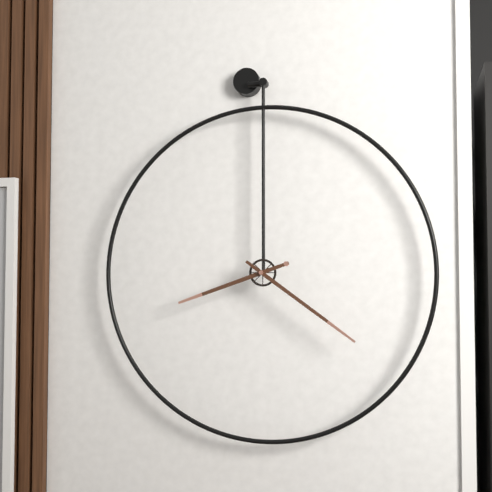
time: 8:21
